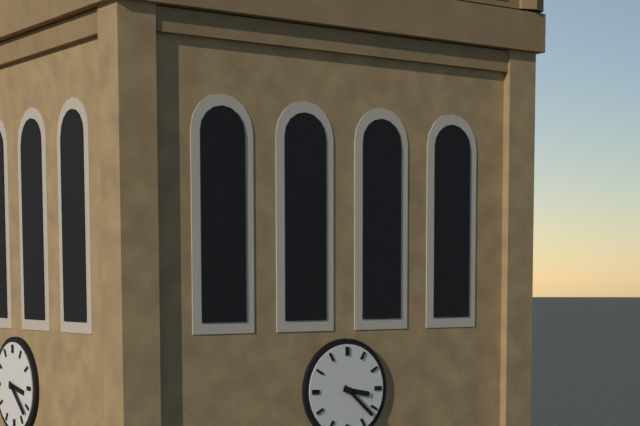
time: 3:22
